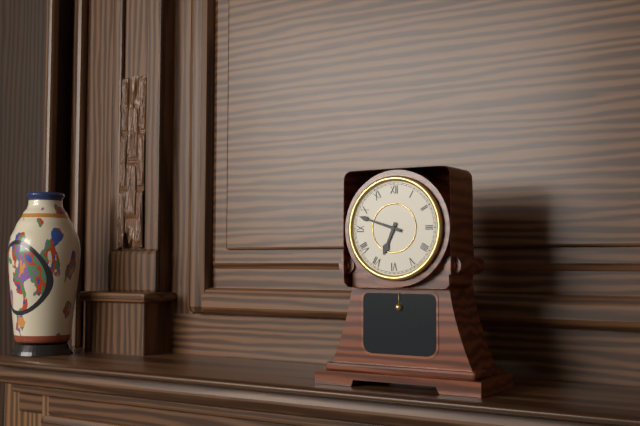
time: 6:48
